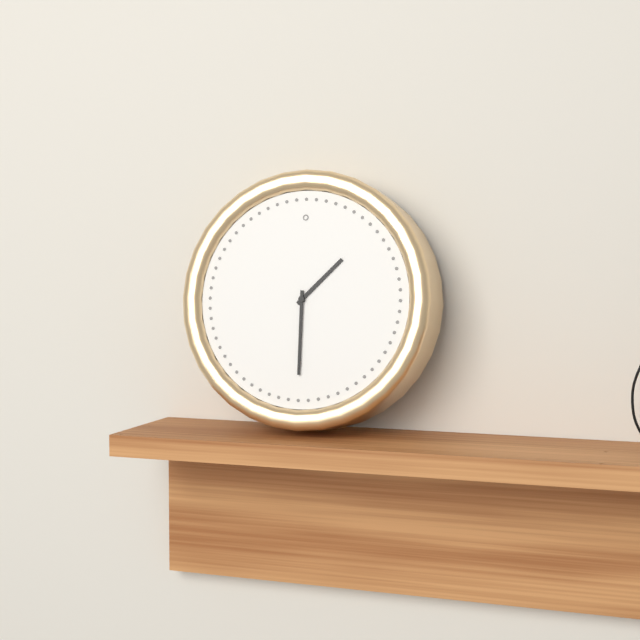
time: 1:30
